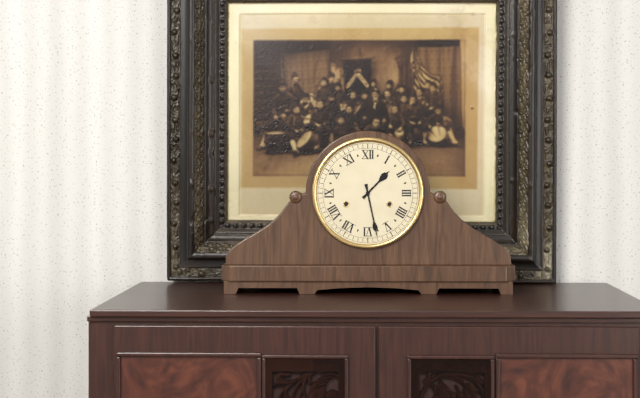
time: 1:28
